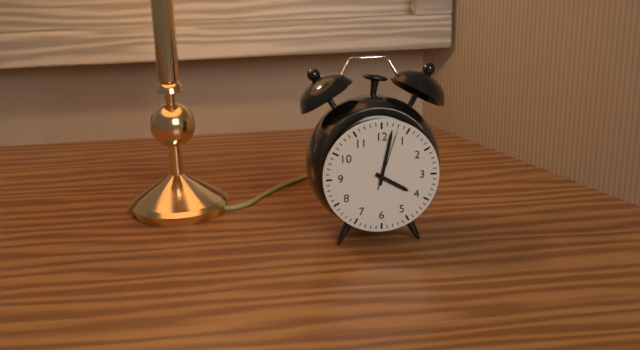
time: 4:02:03
